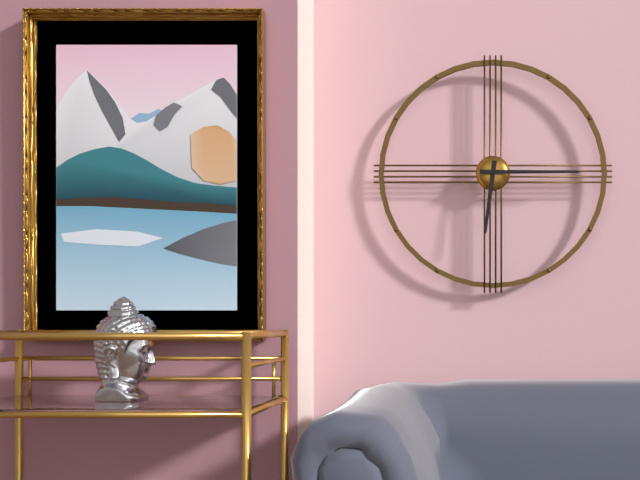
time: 6:15
